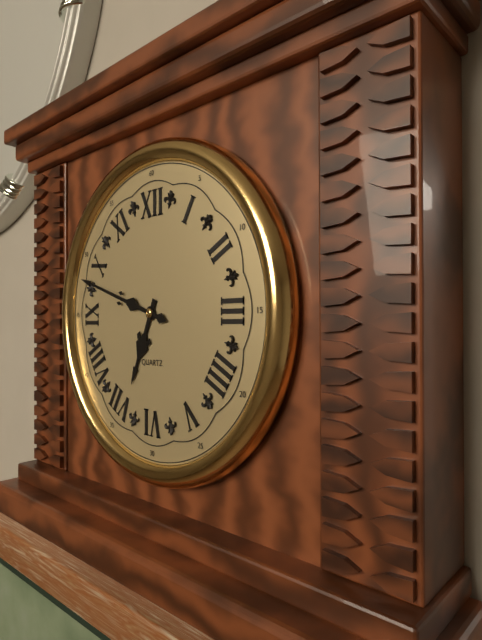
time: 6:48
